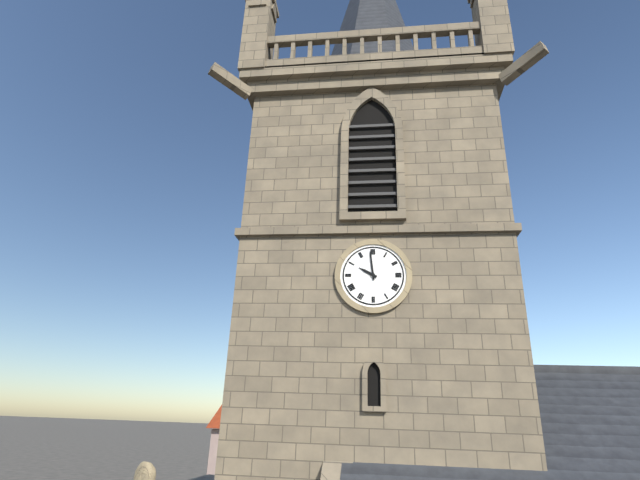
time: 9:59
